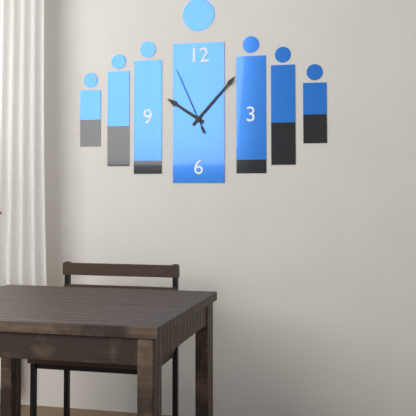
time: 10:07:56
